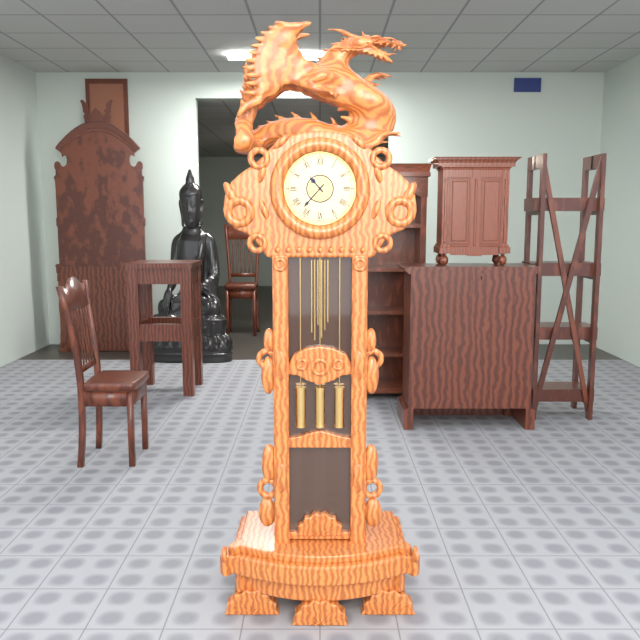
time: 10:37
